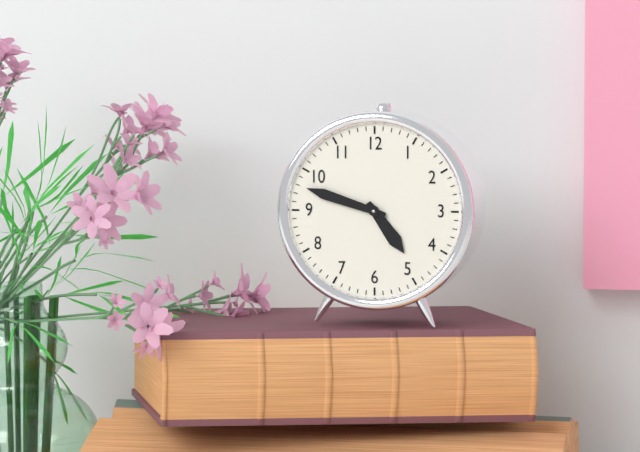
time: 4:48
